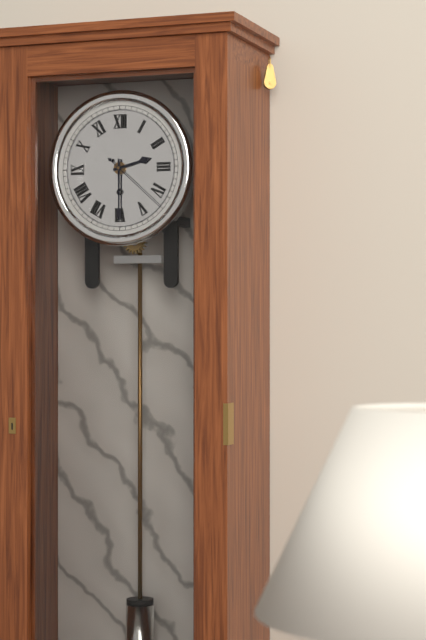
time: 2:30:22
